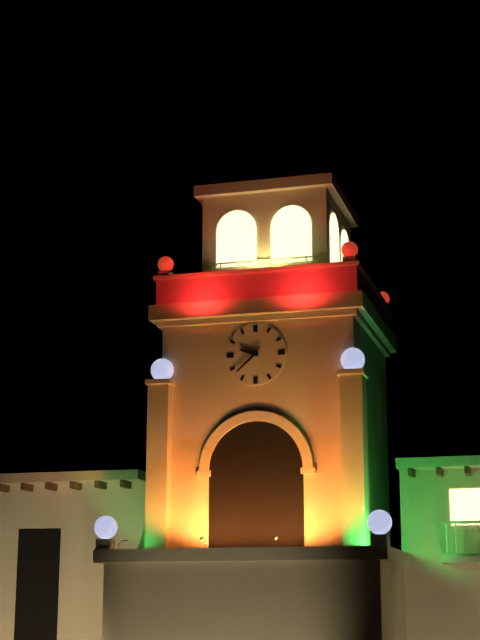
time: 9:38
